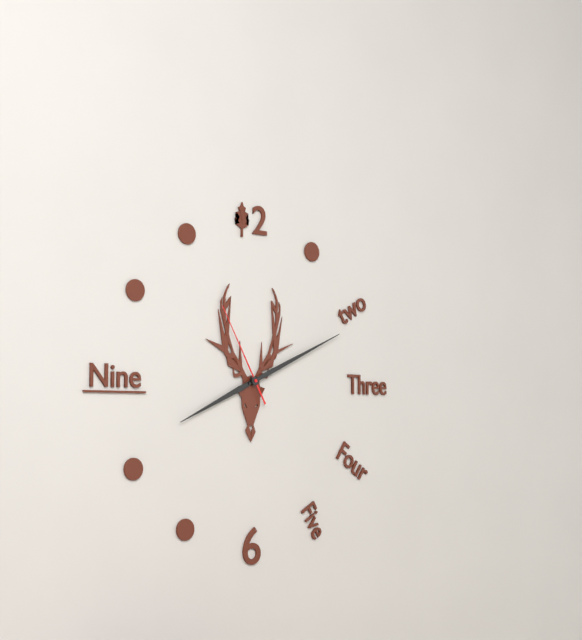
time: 8:11:55
